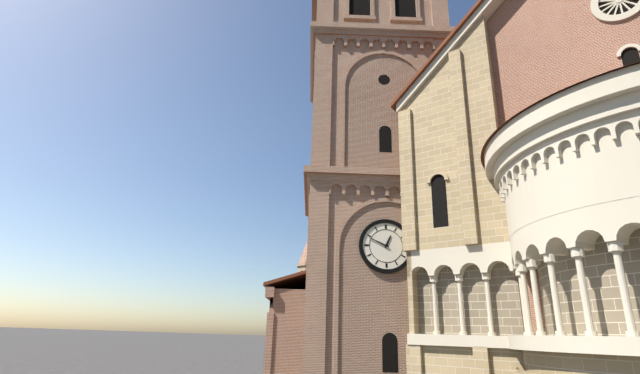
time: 12:49
